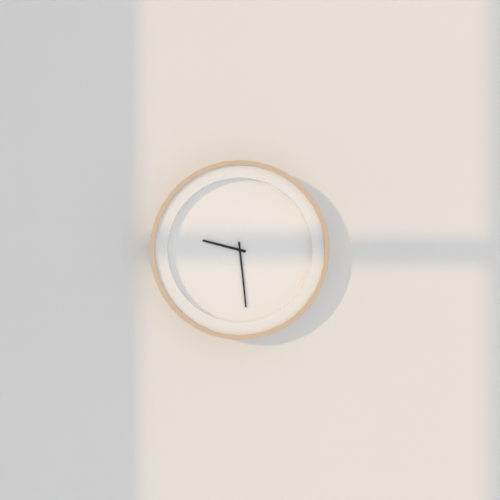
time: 9:29
